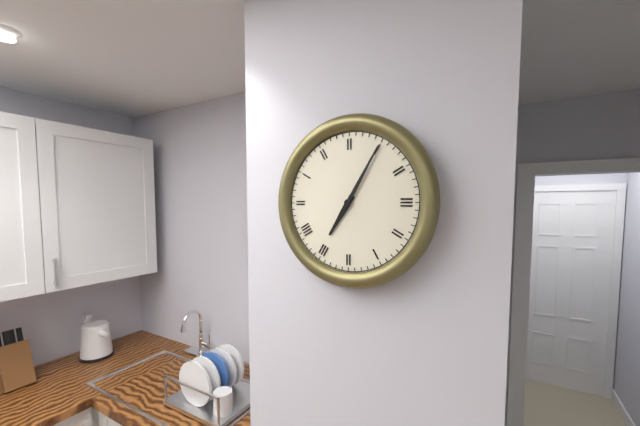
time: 7:05
